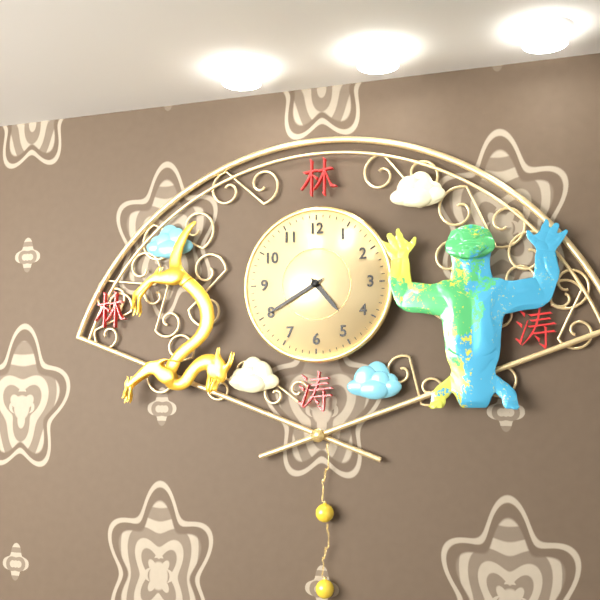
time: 4:40
